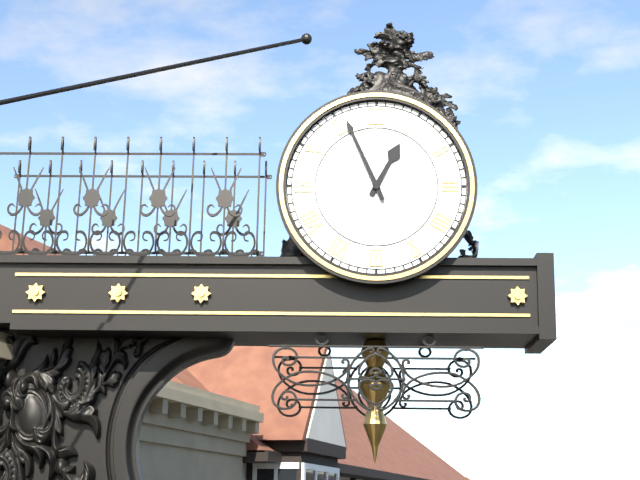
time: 12:56
